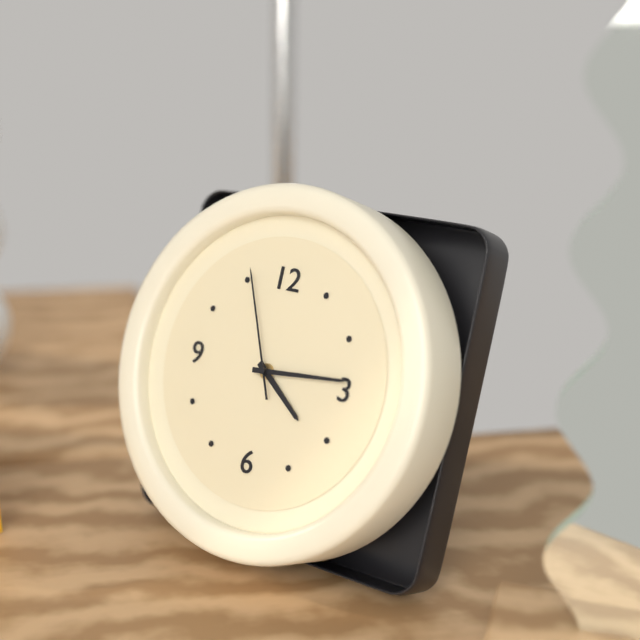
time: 4:14:56
